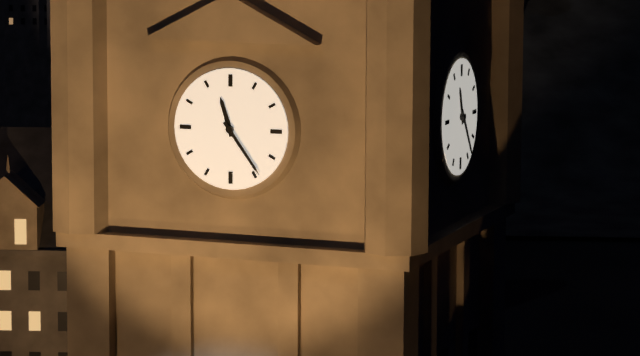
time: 11:24
